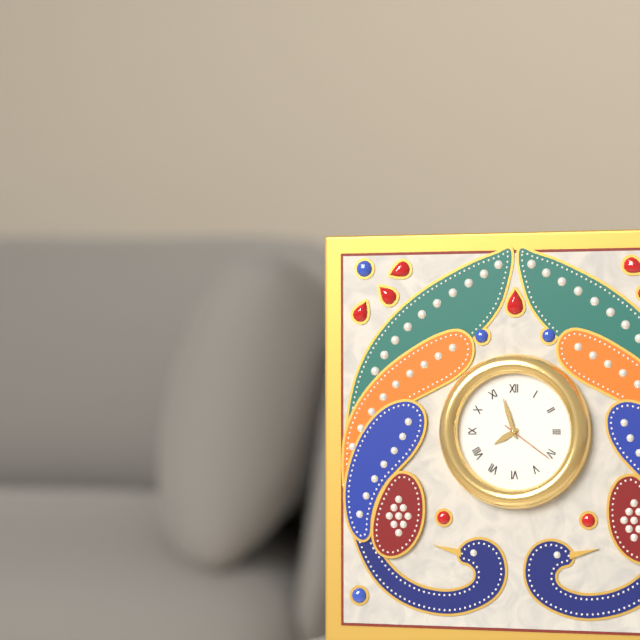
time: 7:57:21
